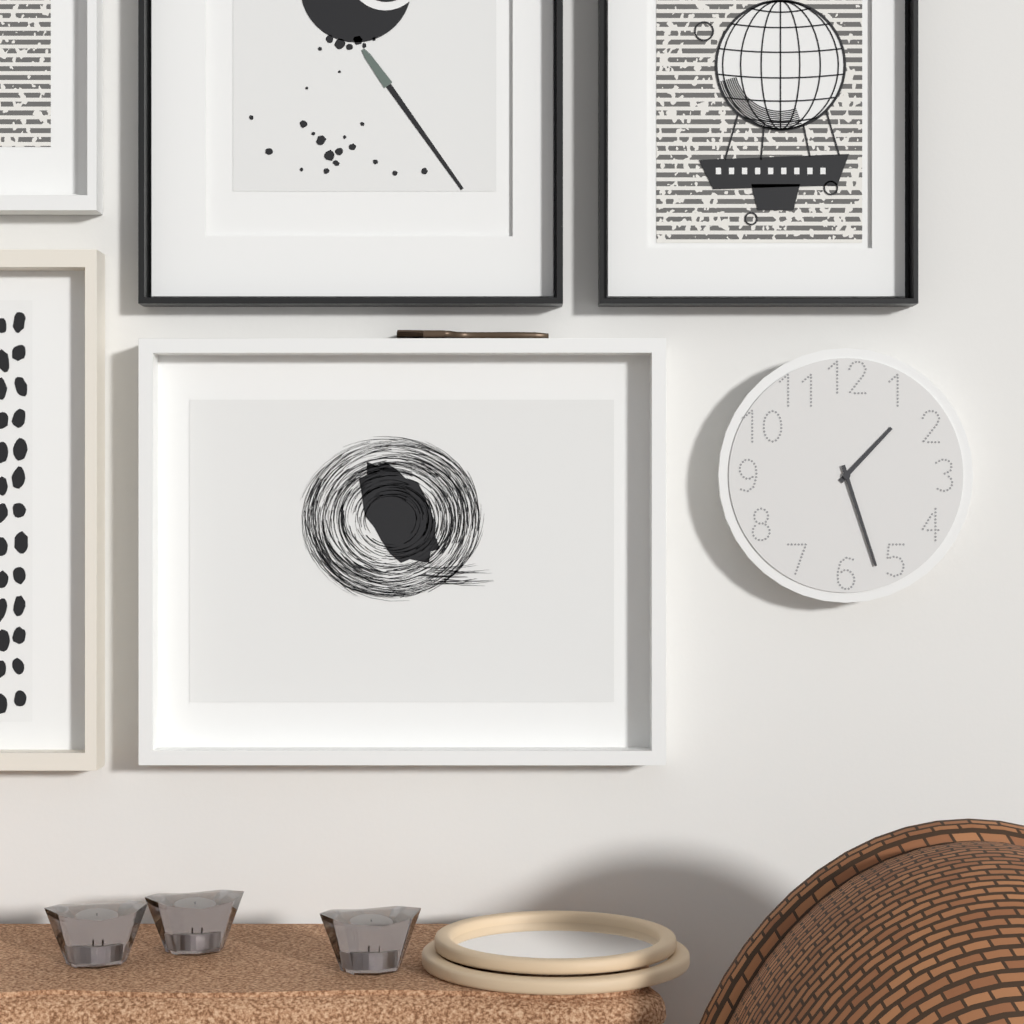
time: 1:27
